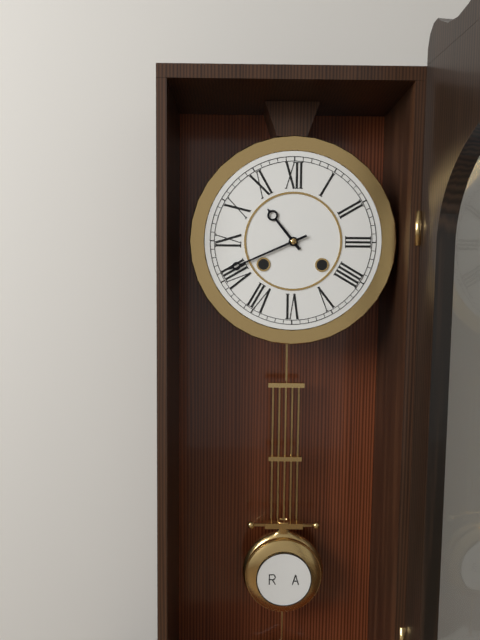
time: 10:41
